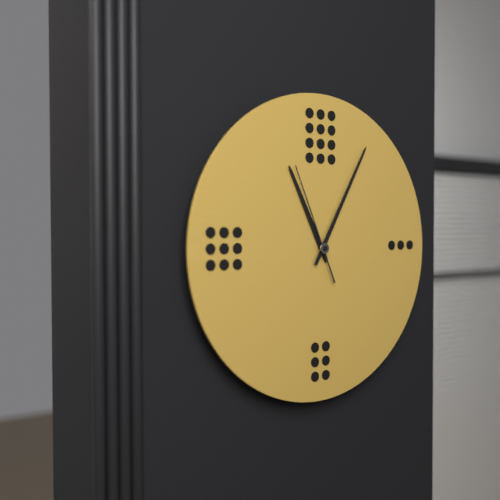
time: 11:05:56
